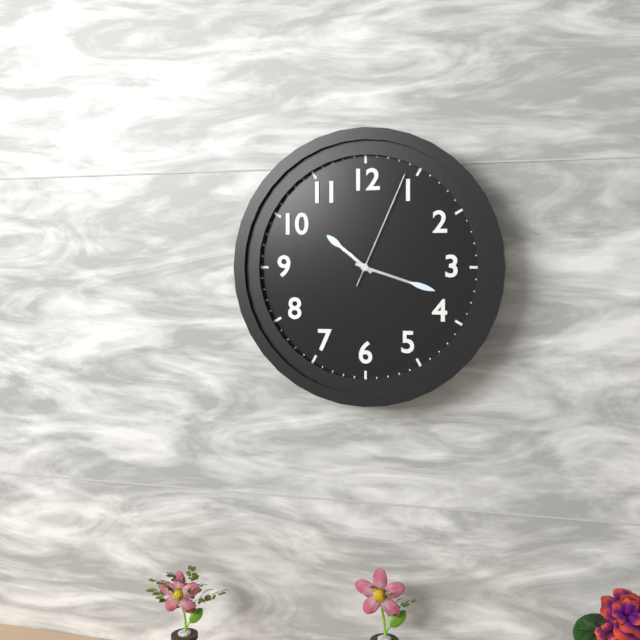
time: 10:18:04
